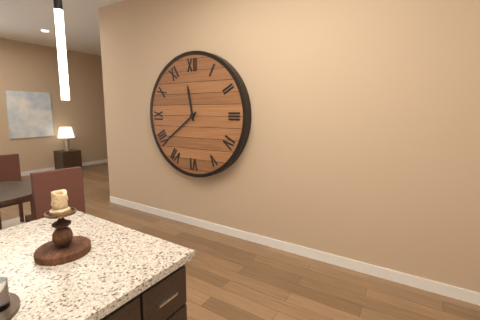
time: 11:39
